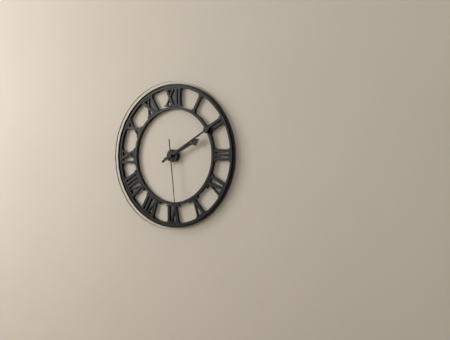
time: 2:10:29
